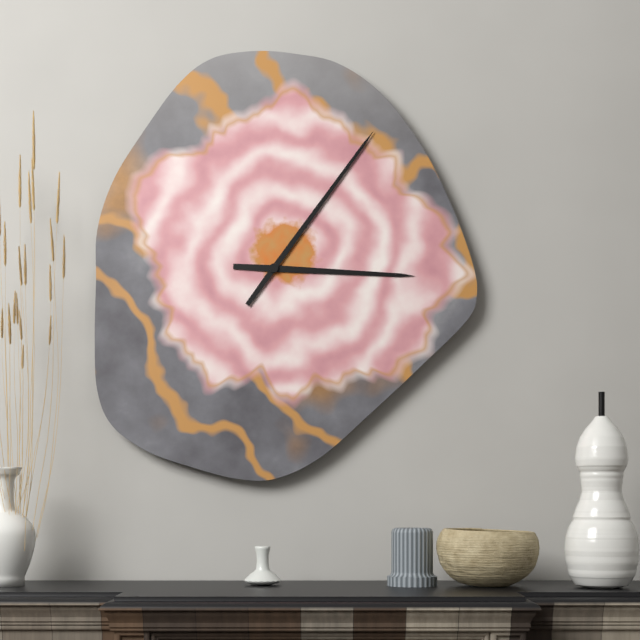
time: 3:06
